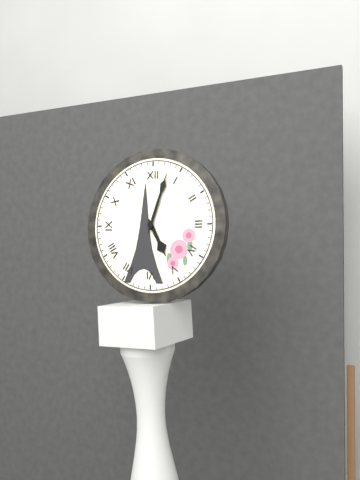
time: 5:03
